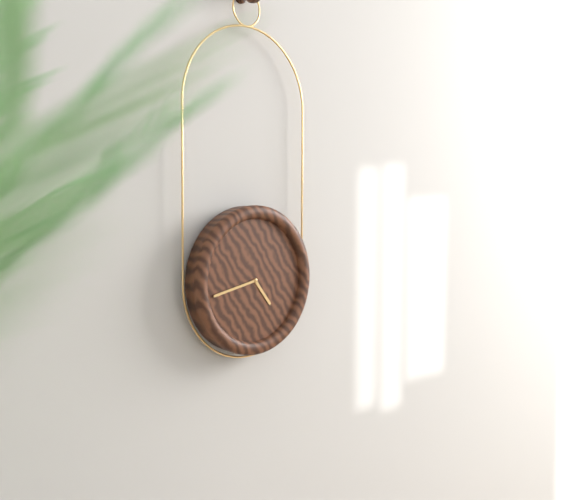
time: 4:43
